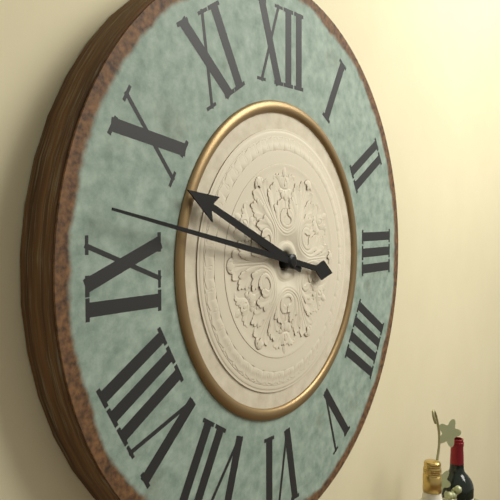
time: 9:47
